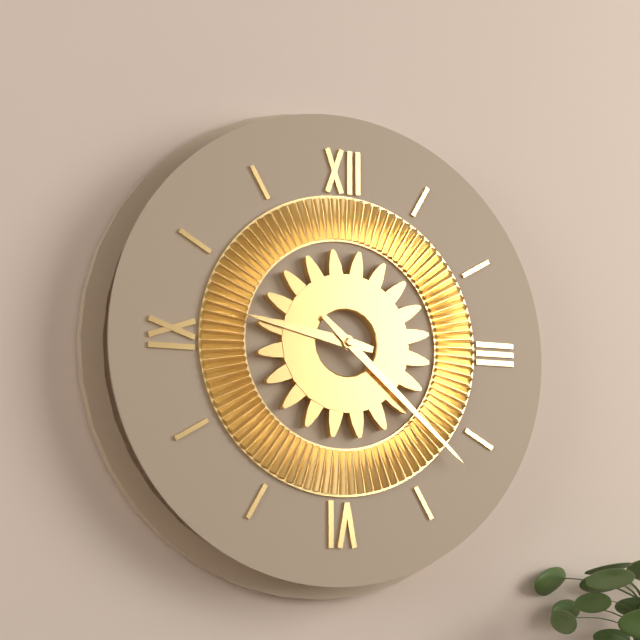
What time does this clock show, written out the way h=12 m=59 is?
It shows h=9 m=22
